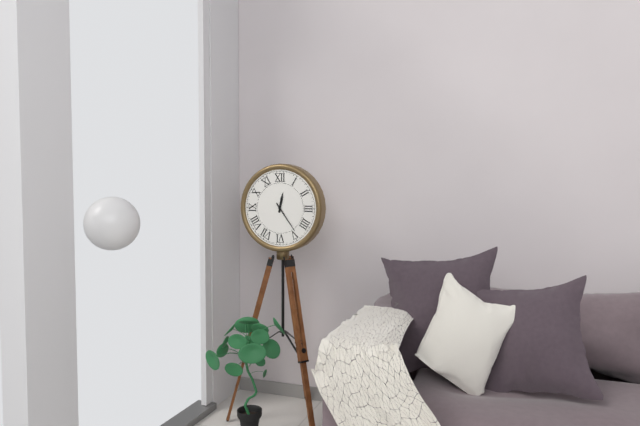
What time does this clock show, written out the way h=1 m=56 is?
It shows h=12 m=24
